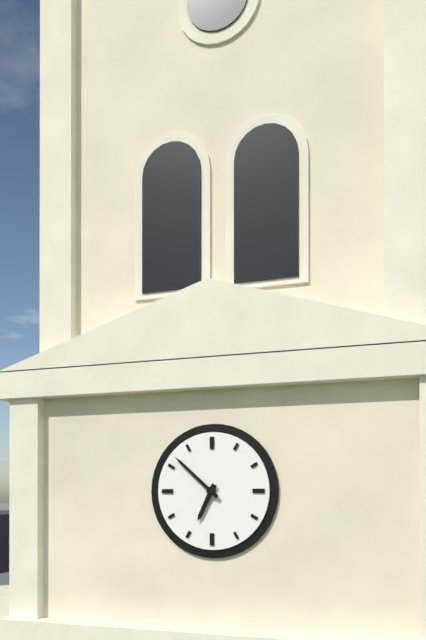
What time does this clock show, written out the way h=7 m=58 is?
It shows h=6 m=52
